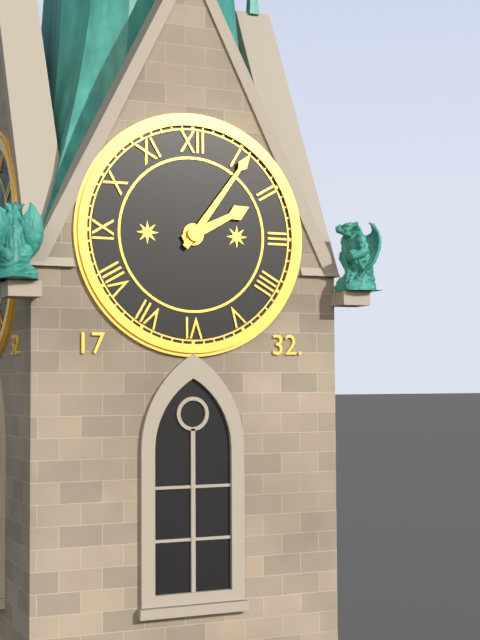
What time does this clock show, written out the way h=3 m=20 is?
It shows h=2 m=6
